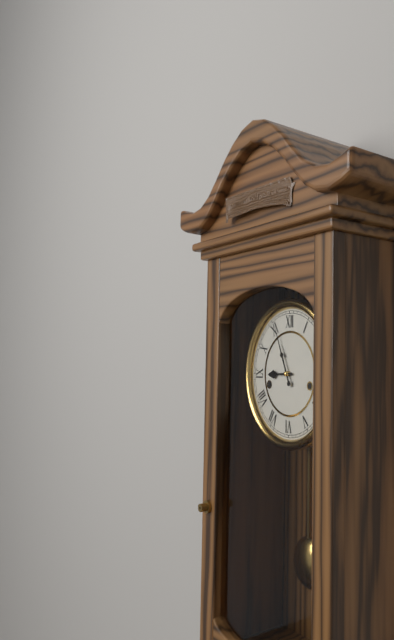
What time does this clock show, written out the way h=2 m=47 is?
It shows h=8 m=56
